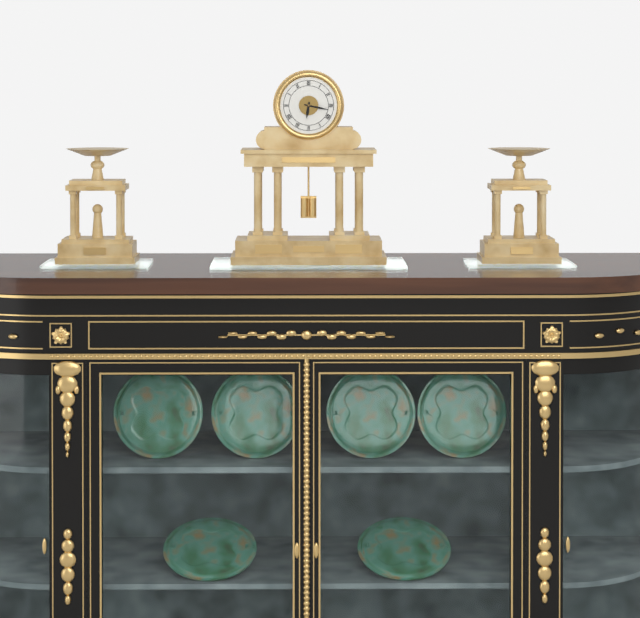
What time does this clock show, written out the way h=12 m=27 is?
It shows h=6 m=17
